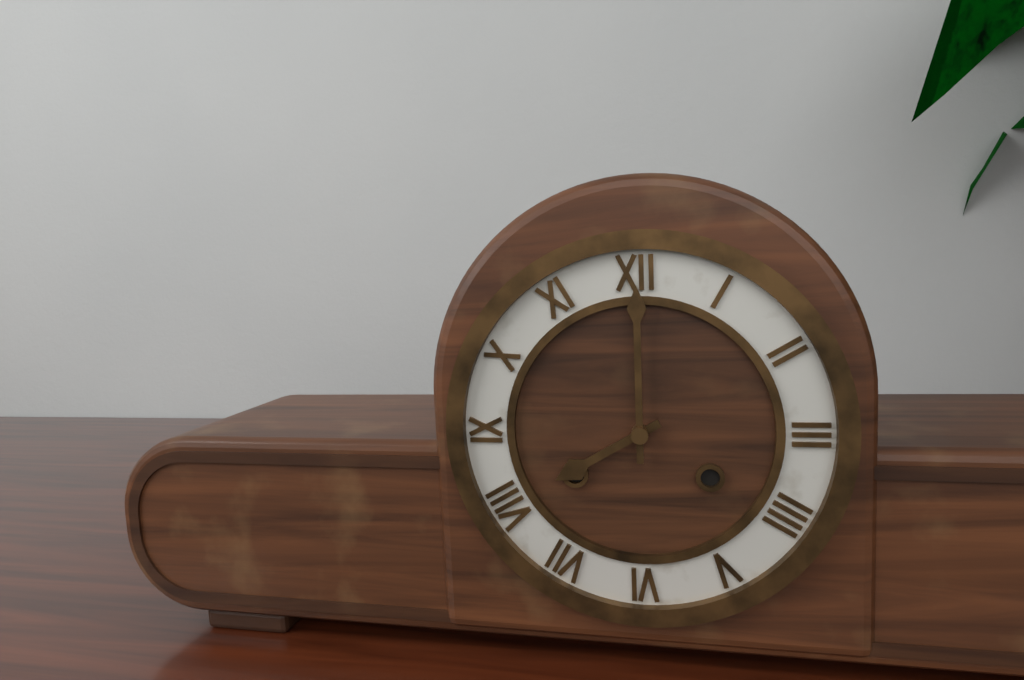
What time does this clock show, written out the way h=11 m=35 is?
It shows h=8 m=0
